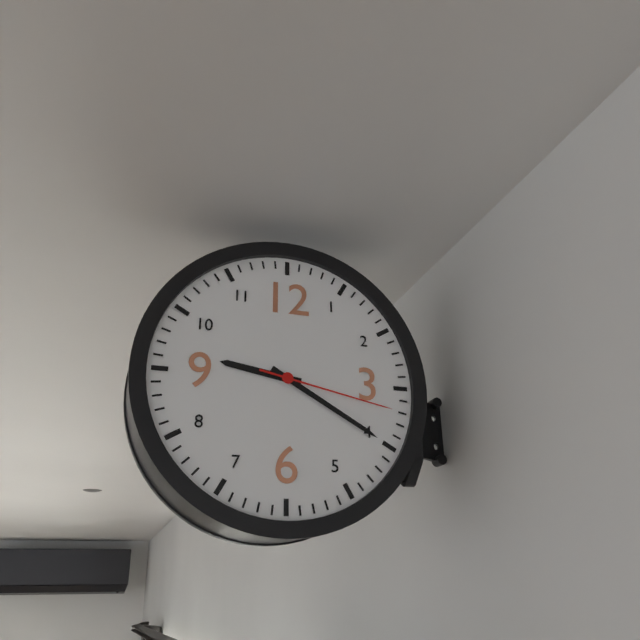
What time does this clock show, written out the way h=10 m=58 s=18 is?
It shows h=9 m=20 s=17
